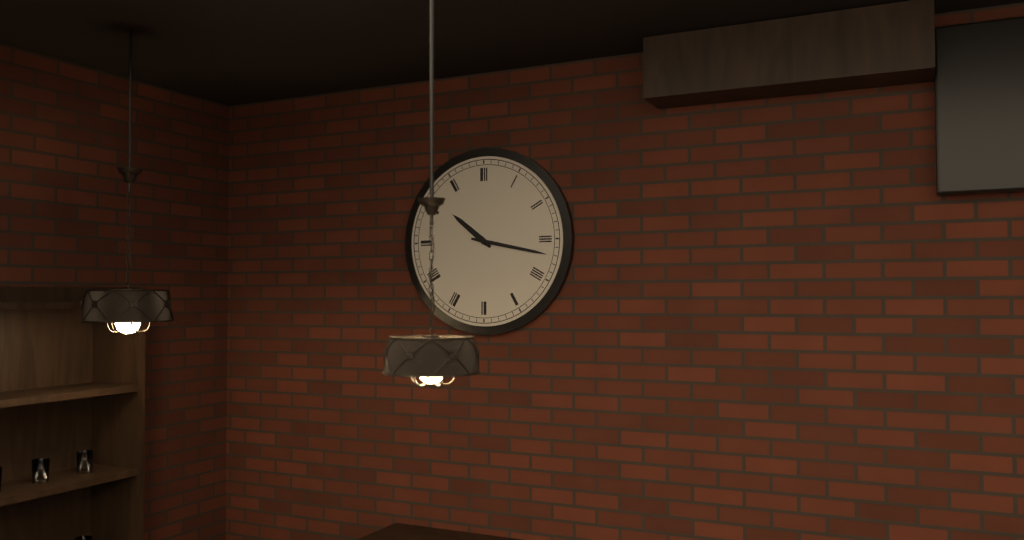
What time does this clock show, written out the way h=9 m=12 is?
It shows h=10 m=17
